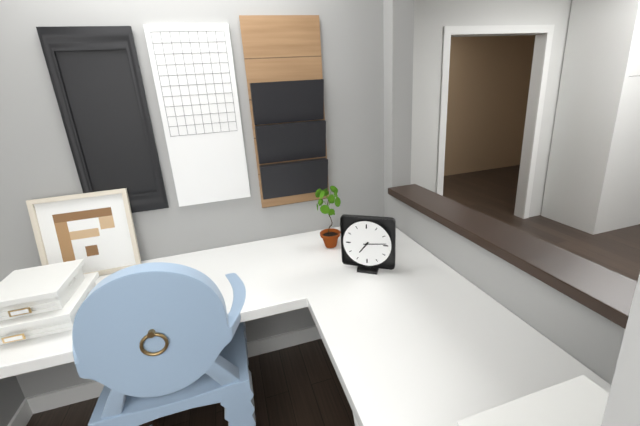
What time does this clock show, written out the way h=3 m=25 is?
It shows h=7 m=14
